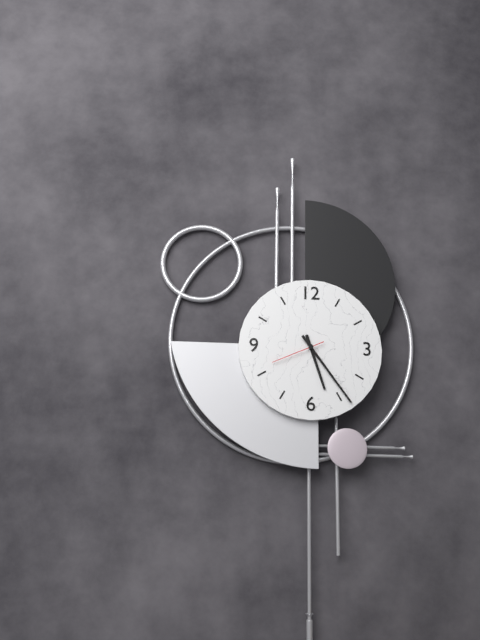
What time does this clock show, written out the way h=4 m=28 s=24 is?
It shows h=5 m=24 s=41
